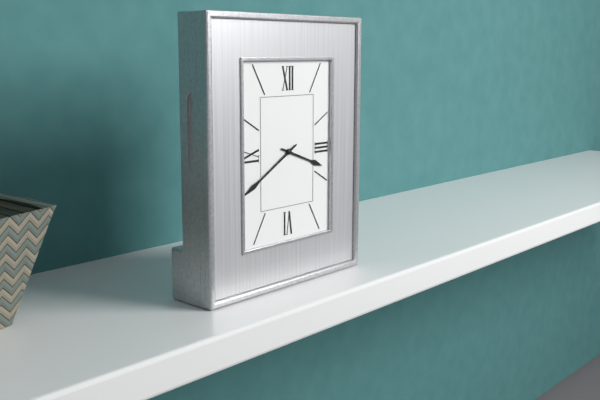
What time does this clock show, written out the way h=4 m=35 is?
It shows h=3 m=40
